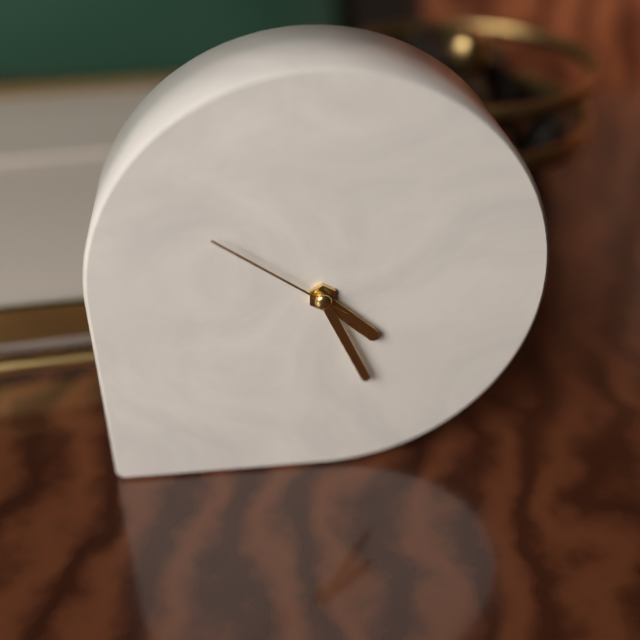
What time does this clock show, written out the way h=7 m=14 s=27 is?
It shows h=4 m=26 s=51
